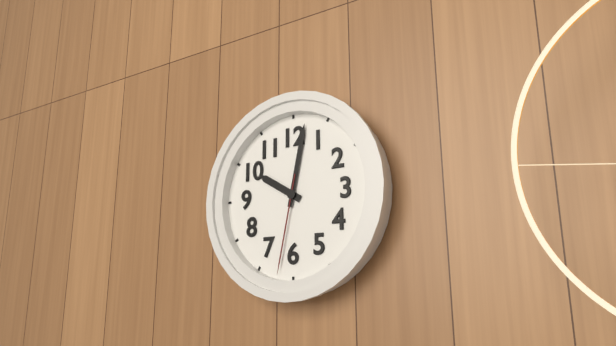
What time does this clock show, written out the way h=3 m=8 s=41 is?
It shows h=10 m=2 s=32
